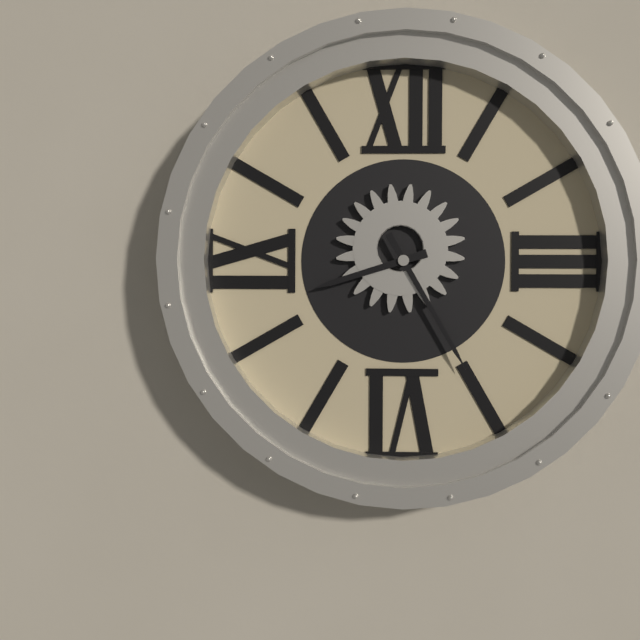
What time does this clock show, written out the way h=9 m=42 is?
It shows h=8 m=25
